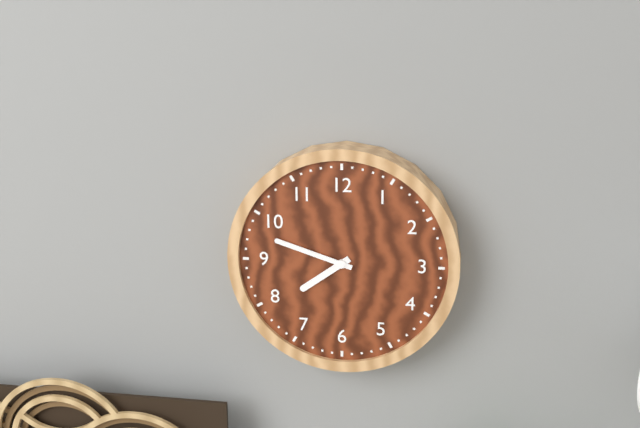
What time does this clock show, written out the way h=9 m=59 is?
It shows h=7 m=48
